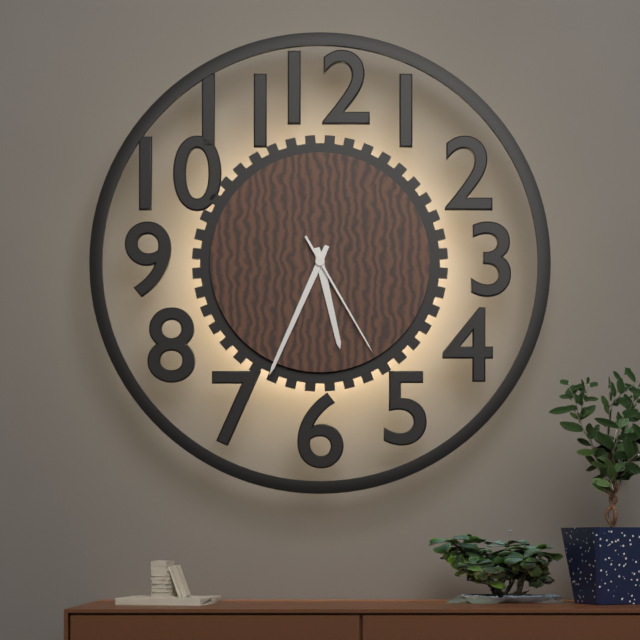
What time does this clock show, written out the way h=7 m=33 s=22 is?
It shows h=5 m=34 s=25
